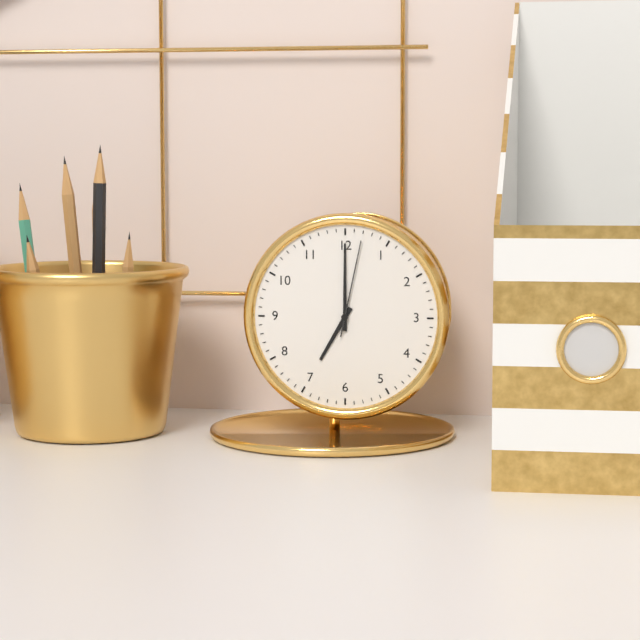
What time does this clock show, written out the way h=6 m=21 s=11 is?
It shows h=7 m=0 s=2
